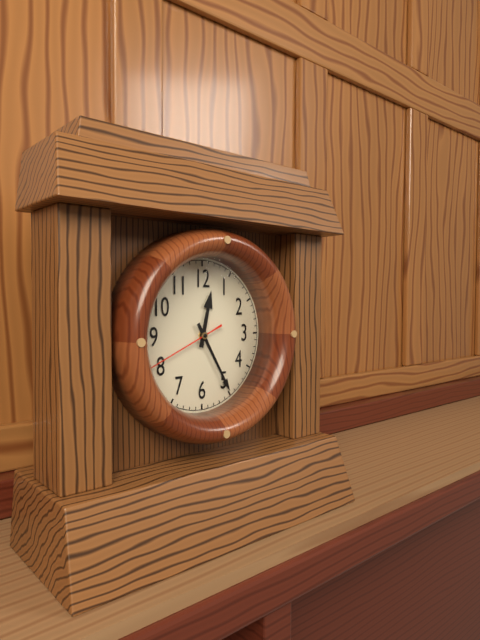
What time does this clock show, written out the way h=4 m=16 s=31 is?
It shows h=12 m=25 s=41
